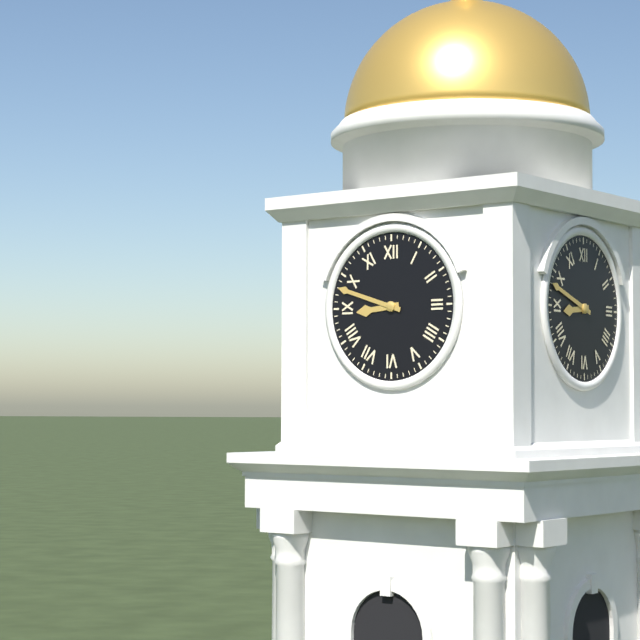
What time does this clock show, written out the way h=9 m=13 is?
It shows h=8 m=48
